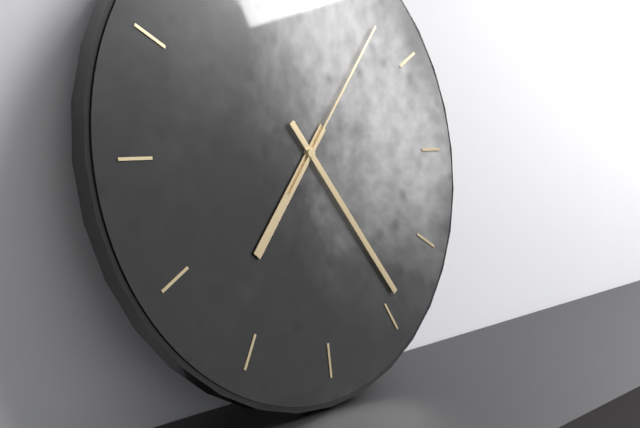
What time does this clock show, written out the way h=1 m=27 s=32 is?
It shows h=7 m=24 s=7
